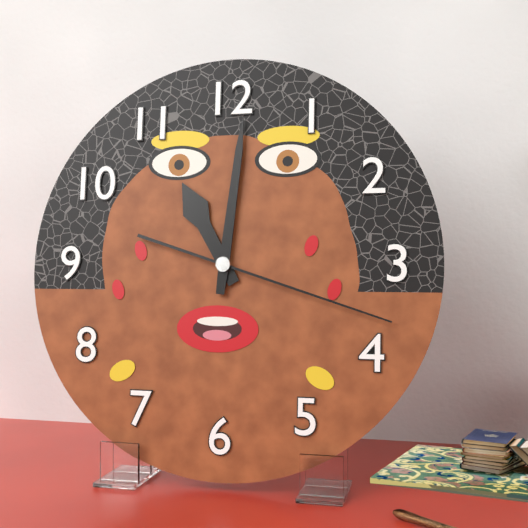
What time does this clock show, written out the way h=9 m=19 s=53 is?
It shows h=11 m=1 s=18
